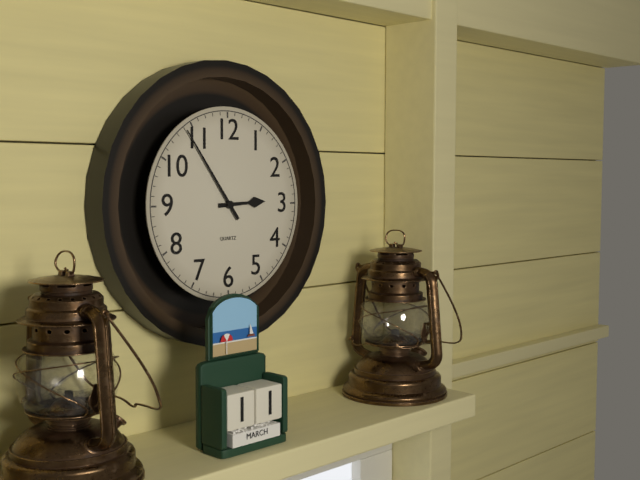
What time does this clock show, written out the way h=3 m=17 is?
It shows h=2 m=54
